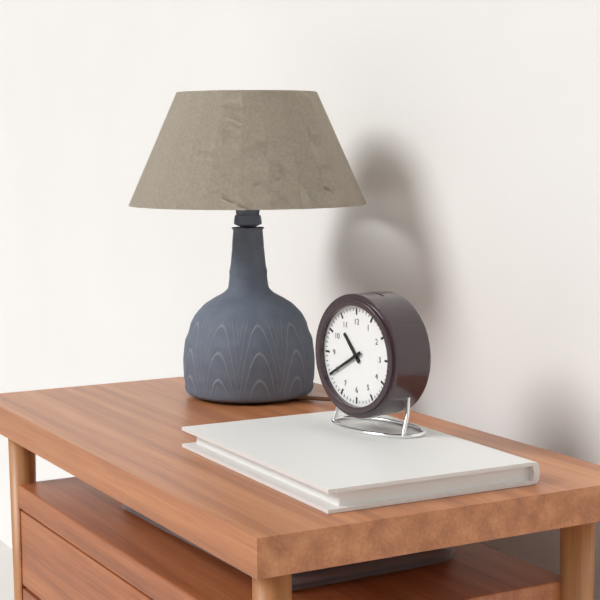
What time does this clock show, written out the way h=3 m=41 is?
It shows h=10 m=40
